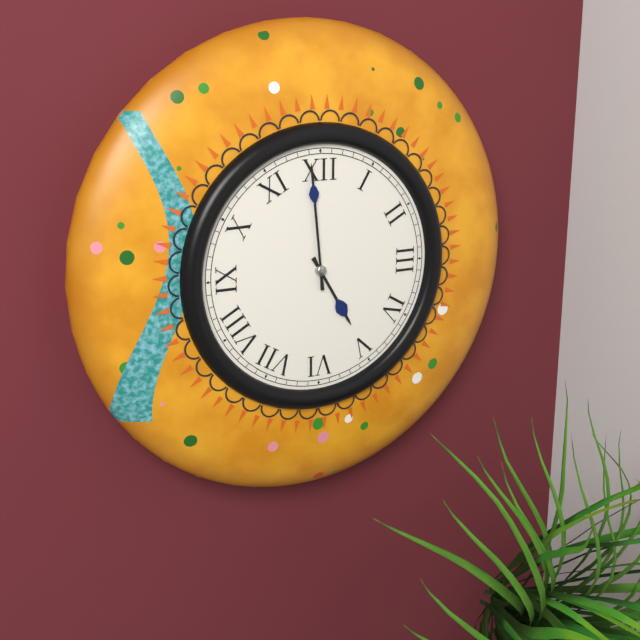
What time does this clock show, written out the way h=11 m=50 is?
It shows h=4 m=59
